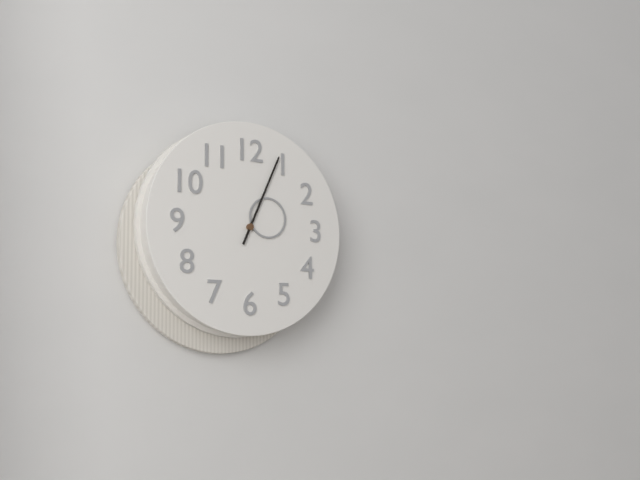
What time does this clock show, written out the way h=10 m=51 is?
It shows h=2 m=4
